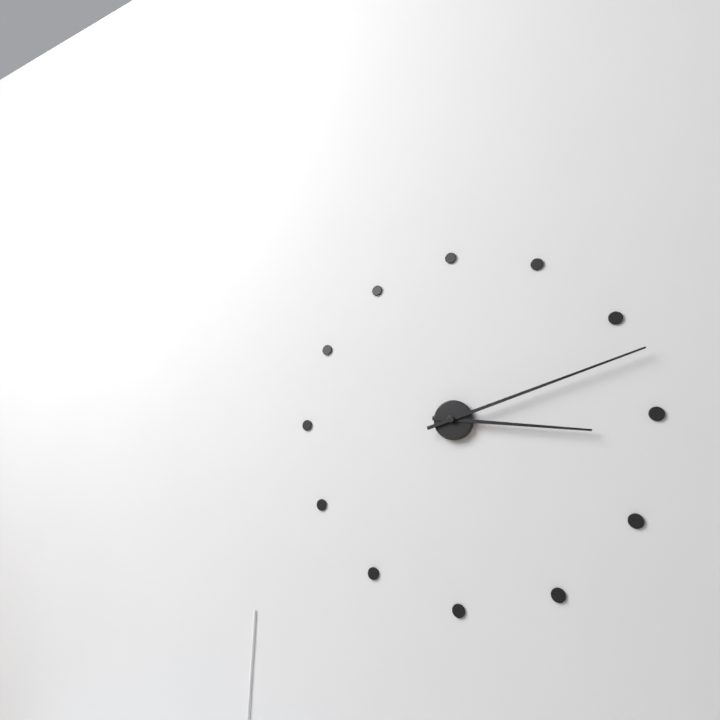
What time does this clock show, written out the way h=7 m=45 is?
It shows h=3 m=12
